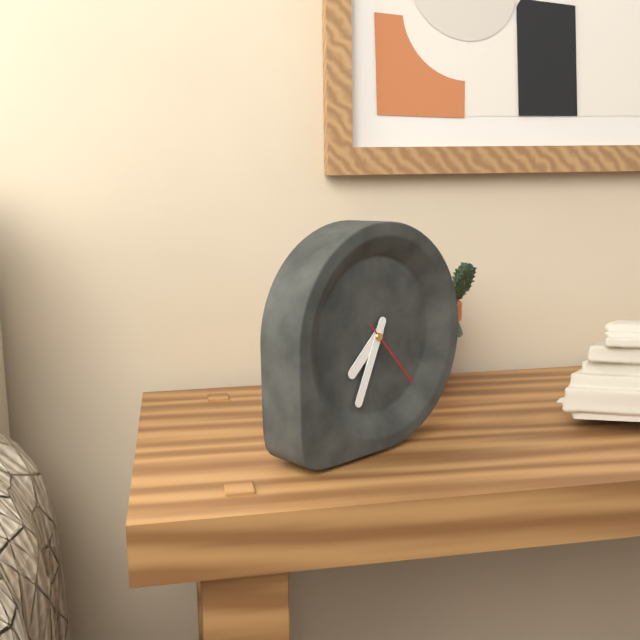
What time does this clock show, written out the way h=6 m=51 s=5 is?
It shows h=7 m=34 s=23
